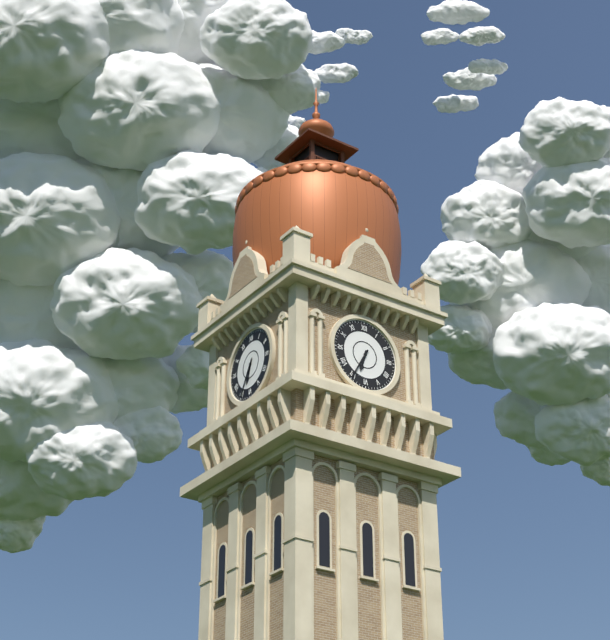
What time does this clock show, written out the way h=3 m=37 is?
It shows h=6 m=35
